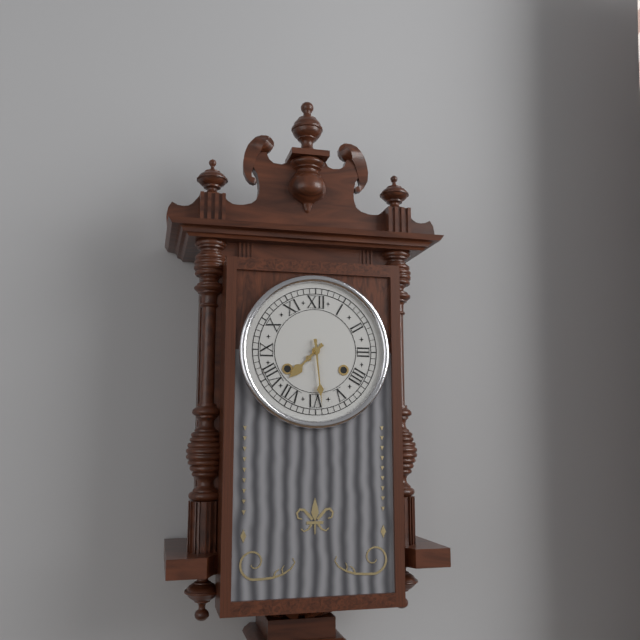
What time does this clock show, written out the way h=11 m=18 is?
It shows h=7 m=29
